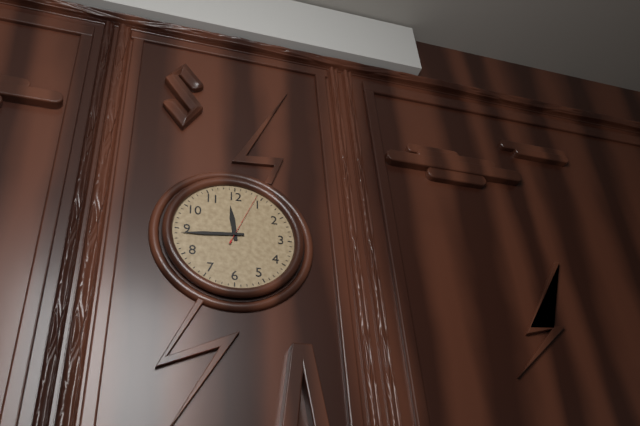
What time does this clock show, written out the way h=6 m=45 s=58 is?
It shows h=11 m=44 s=4
